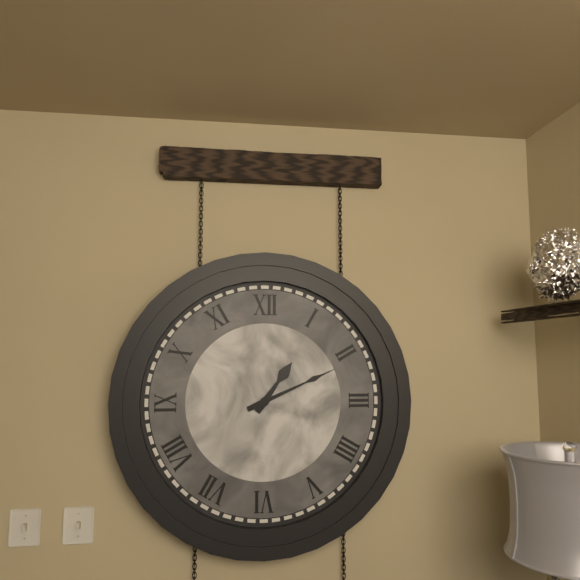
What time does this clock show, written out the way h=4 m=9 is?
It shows h=1 m=11
